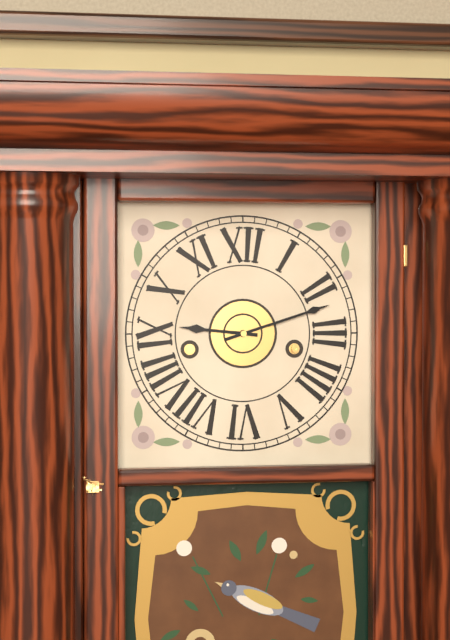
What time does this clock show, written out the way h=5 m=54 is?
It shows h=9 m=12
